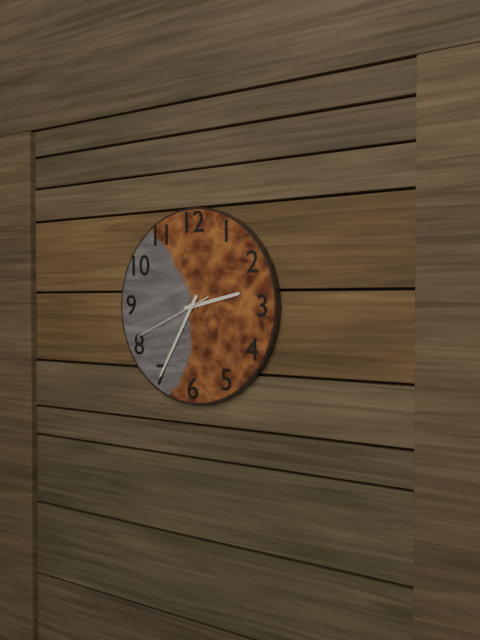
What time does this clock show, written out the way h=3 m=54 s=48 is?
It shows h=2 m=35 s=41
